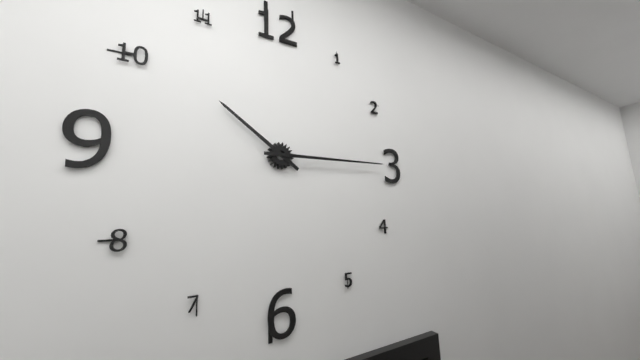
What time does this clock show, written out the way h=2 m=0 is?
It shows h=10 m=15
